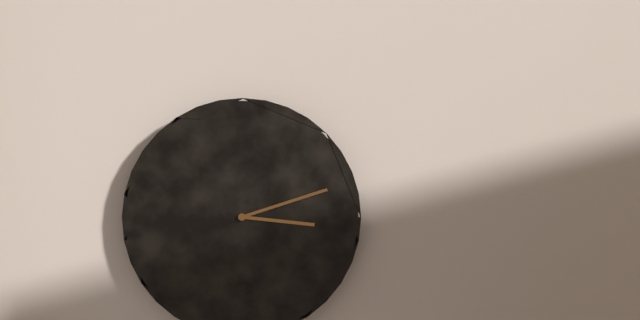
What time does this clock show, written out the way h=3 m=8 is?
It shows h=3 m=12
